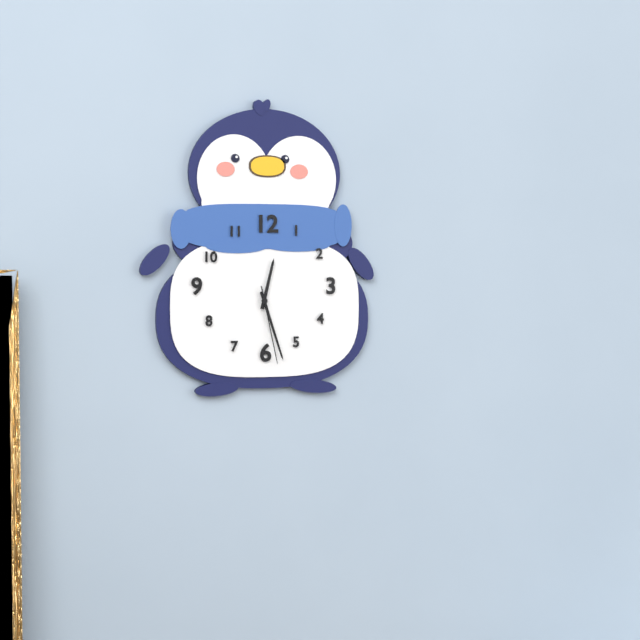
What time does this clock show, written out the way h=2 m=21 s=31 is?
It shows h=12 m=27 s=28
